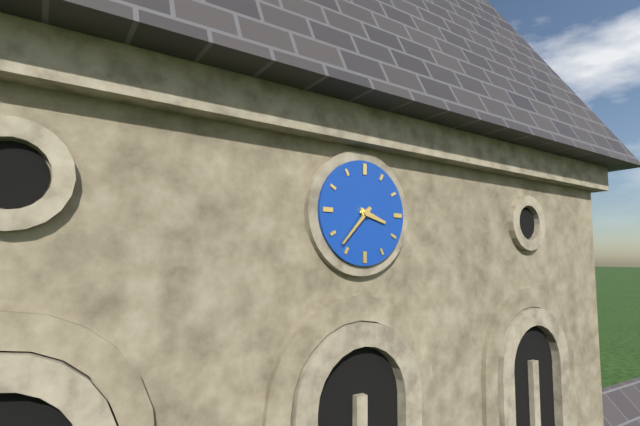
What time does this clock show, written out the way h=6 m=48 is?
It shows h=3 m=37
